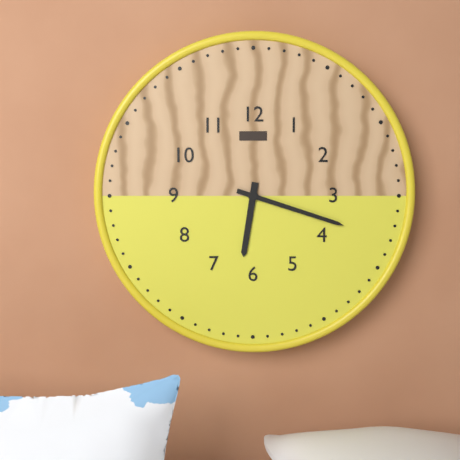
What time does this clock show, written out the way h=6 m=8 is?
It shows h=6 m=18
